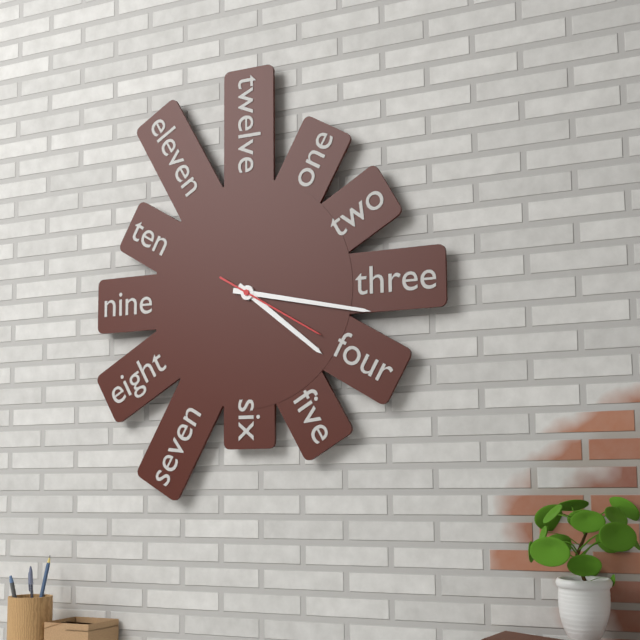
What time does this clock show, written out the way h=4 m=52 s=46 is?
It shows h=4 m=17 s=20
